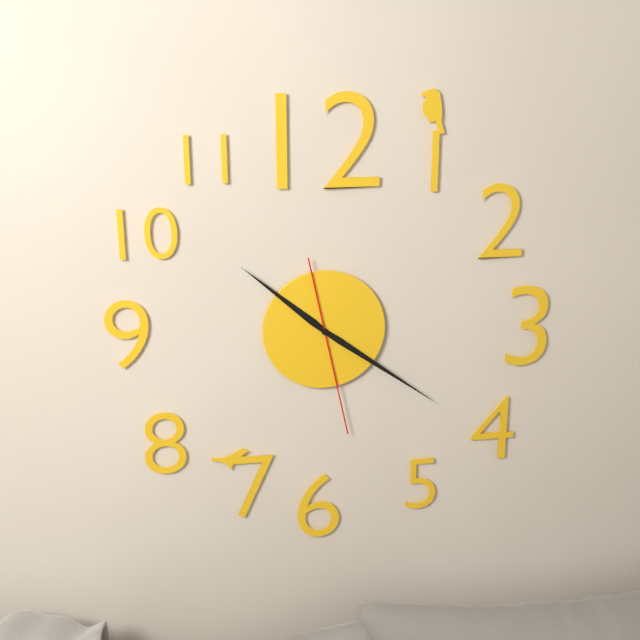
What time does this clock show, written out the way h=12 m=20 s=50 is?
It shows h=10 m=21 s=28
